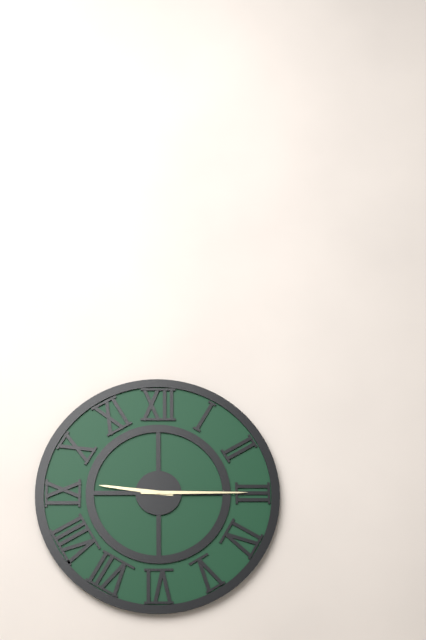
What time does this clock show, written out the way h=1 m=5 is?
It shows h=9 m=15
